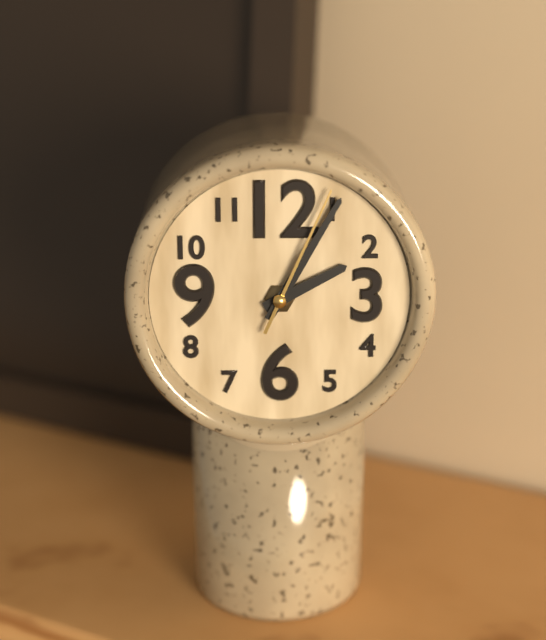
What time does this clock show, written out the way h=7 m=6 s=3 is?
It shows h=2 m=5 s=4
